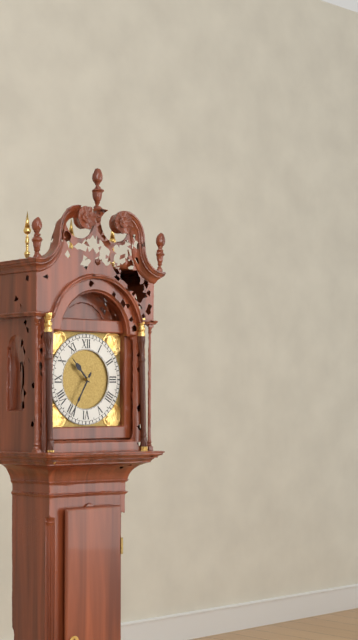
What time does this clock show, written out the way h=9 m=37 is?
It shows h=10 m=35
